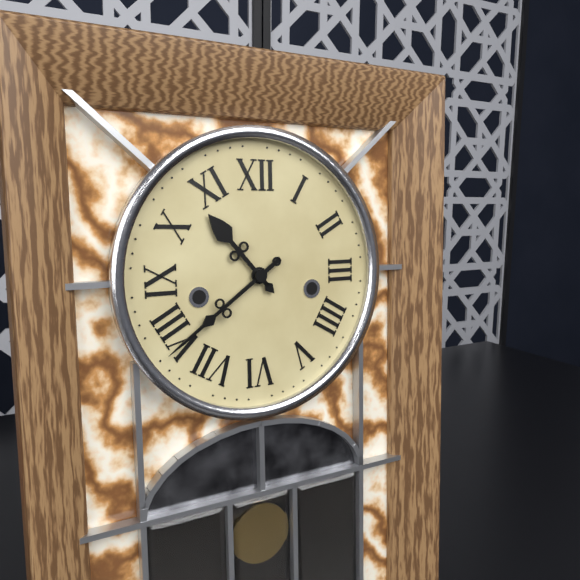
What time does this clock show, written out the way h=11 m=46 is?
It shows h=10 m=39
